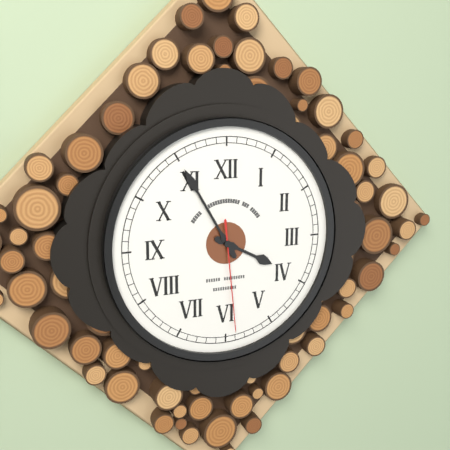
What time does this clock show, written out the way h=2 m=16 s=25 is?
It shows h=3 m=55 s=29
